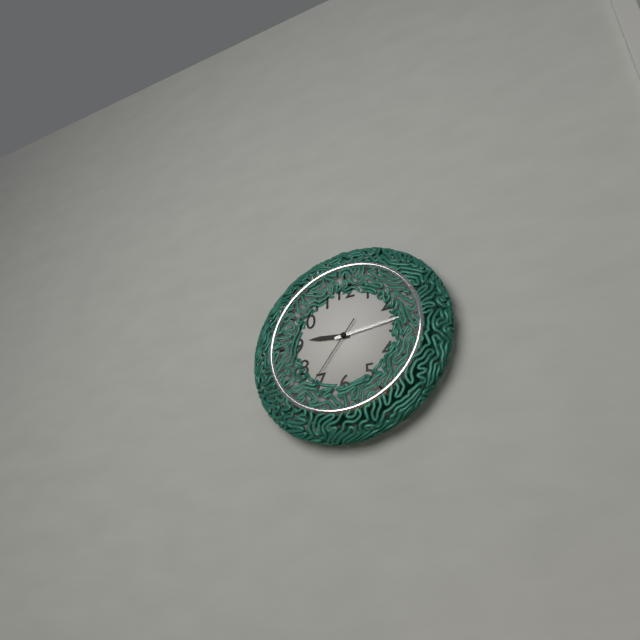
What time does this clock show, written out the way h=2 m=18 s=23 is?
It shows h=9 m=14 s=36
